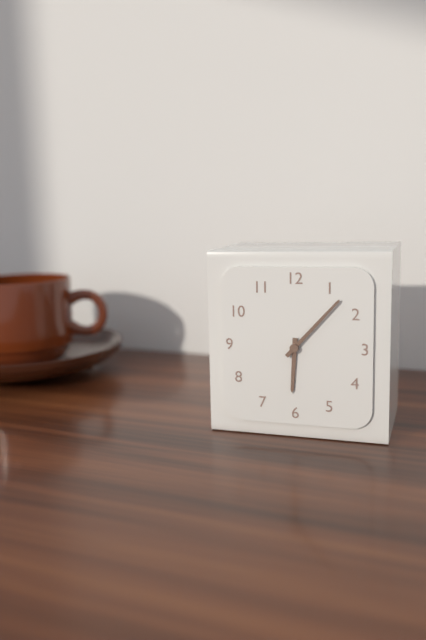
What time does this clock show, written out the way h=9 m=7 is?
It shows h=6 m=7
